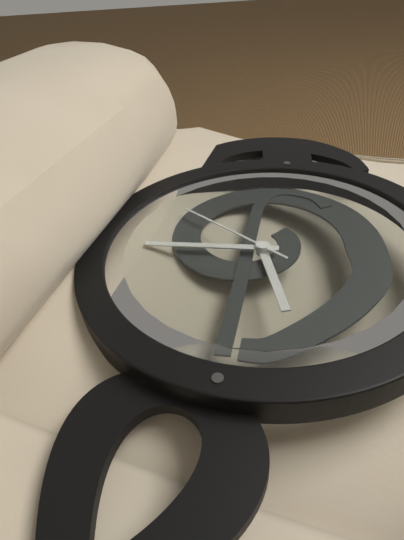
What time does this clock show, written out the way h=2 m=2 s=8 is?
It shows h=11 m=14 s=20
